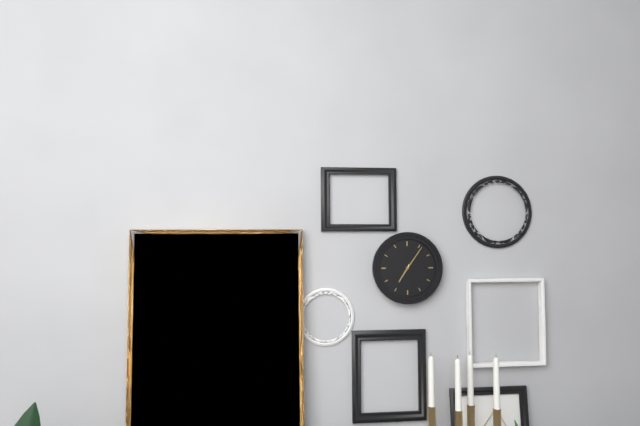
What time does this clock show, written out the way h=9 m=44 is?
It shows h=7 m=6
